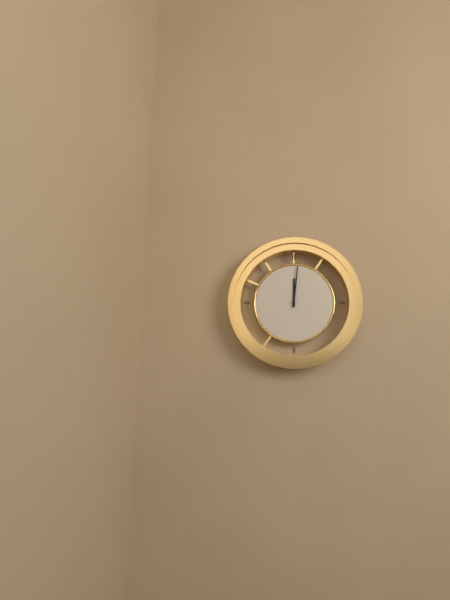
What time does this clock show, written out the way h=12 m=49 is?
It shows h=12 m=1
